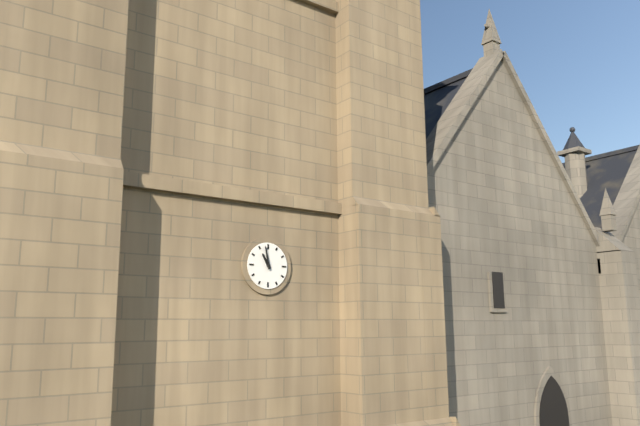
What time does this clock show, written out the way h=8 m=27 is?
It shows h=10 m=58
